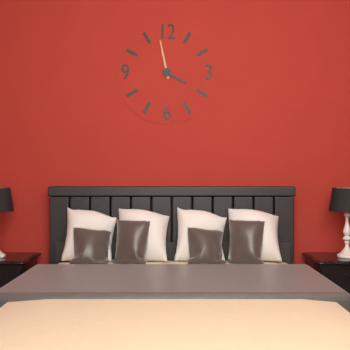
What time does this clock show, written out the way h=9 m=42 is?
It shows h=3 m=58
